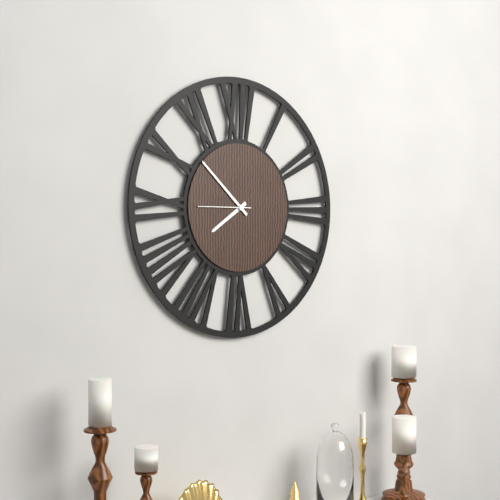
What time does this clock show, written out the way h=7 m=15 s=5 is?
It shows h=7 m=52 s=45
